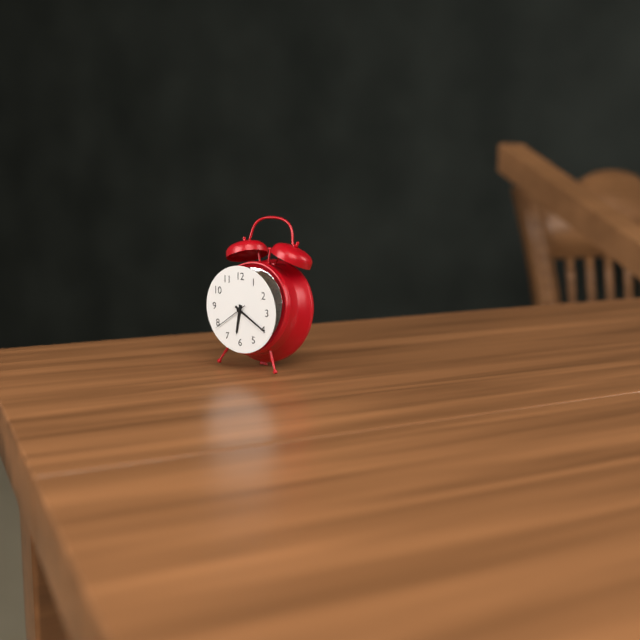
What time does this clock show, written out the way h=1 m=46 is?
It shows h=6 m=20
